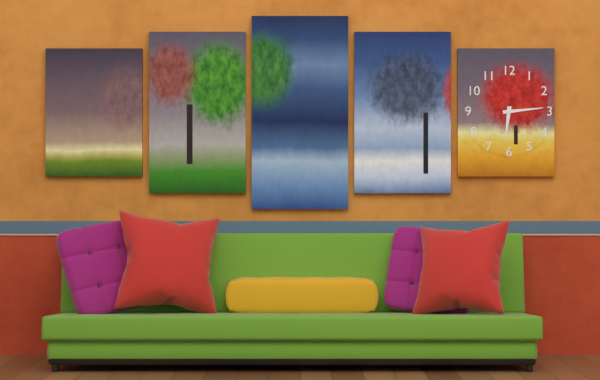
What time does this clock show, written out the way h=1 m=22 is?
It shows h=6 m=14
